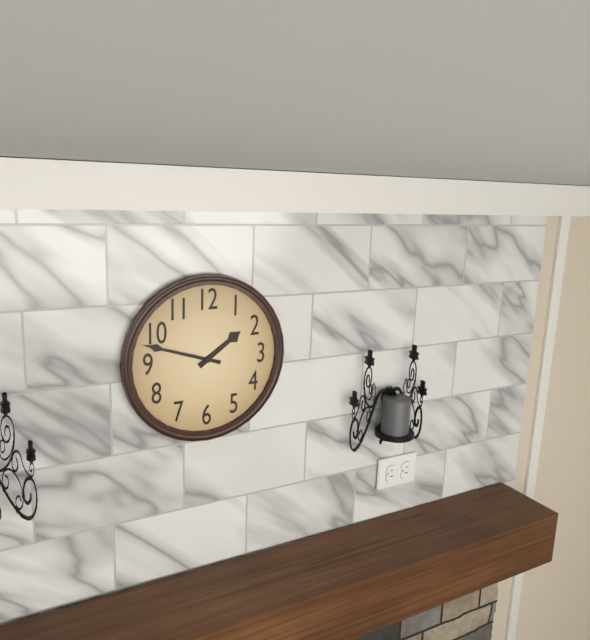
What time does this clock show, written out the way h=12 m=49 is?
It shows h=1 m=48
